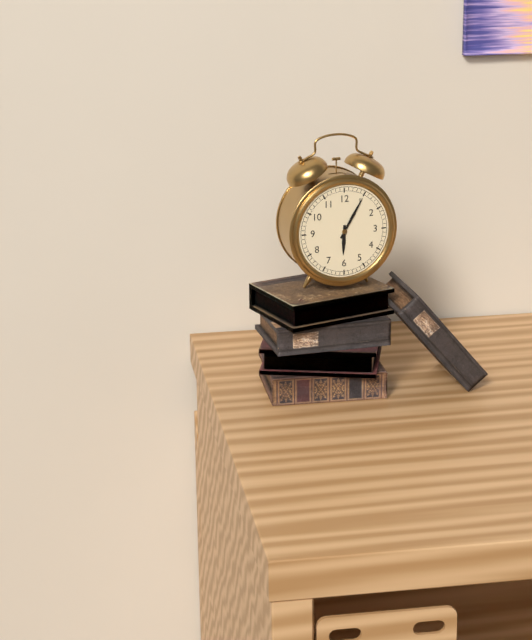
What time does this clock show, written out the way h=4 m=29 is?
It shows h=6 m=5
